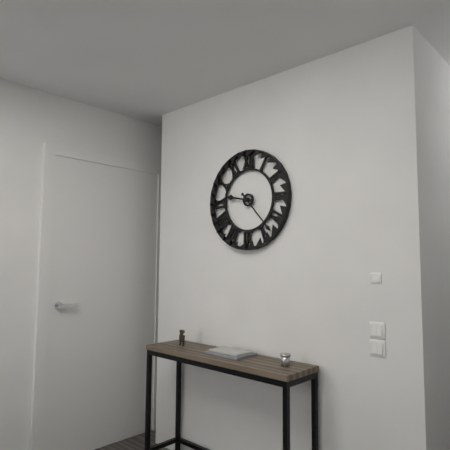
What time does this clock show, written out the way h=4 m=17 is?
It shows h=9 m=23
